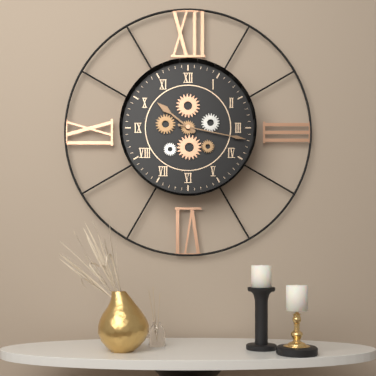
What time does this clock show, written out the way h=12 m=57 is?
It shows h=10 m=17
